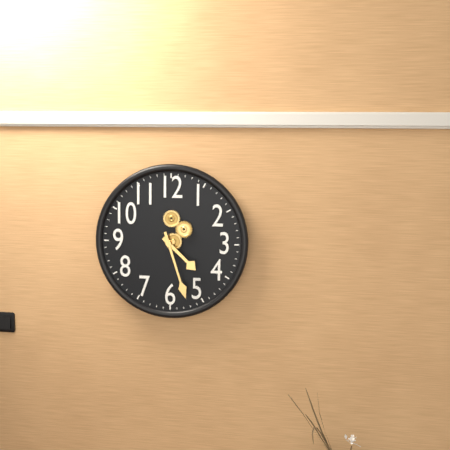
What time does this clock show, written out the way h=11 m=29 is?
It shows h=4 m=27
